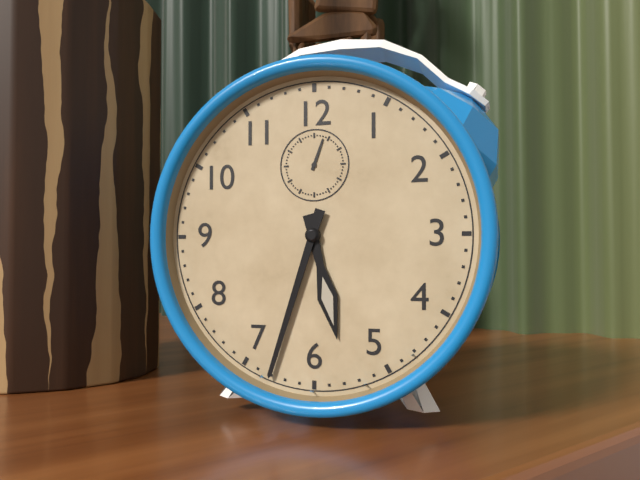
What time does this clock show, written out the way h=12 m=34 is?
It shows h=5 m=33
